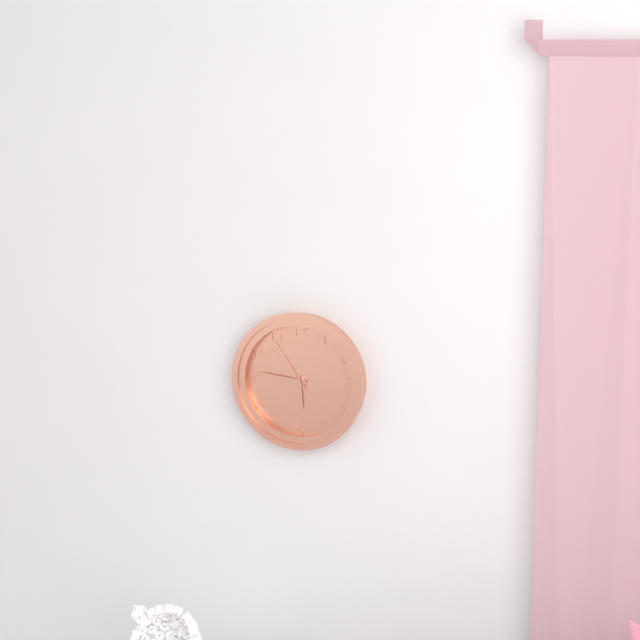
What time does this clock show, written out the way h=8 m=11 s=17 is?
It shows h=5 m=46 s=54
